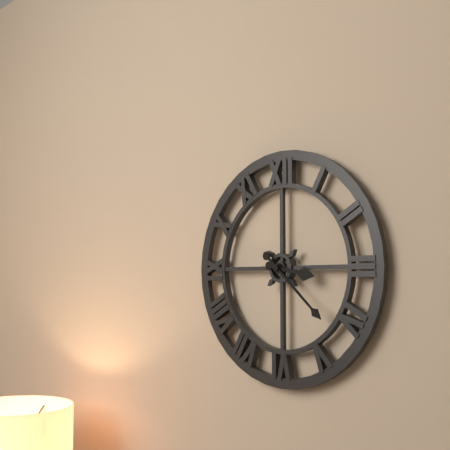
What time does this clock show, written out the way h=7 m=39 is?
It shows h=3 m=22
